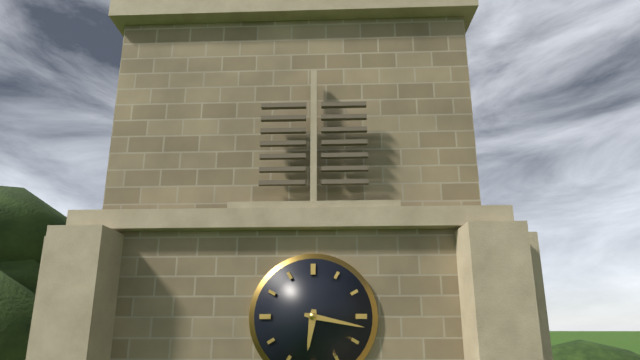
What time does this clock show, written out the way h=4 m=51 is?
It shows h=6 m=17
